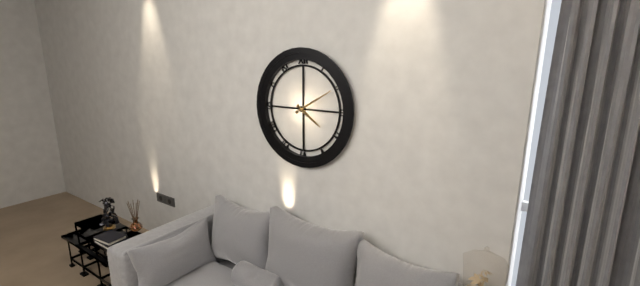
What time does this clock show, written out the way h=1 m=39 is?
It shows h=4 m=10
